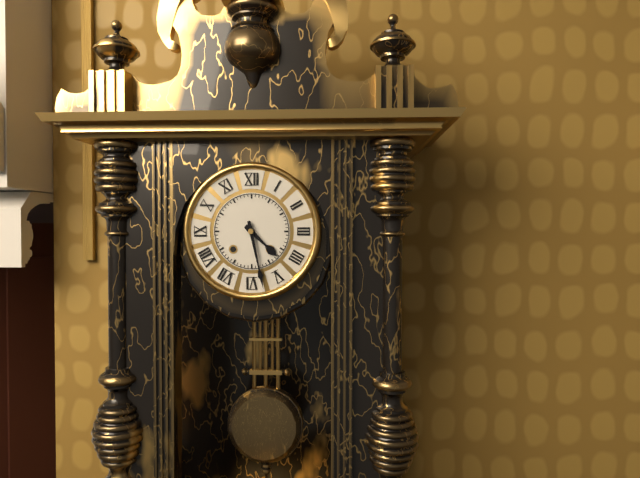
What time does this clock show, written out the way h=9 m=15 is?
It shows h=4 m=28
